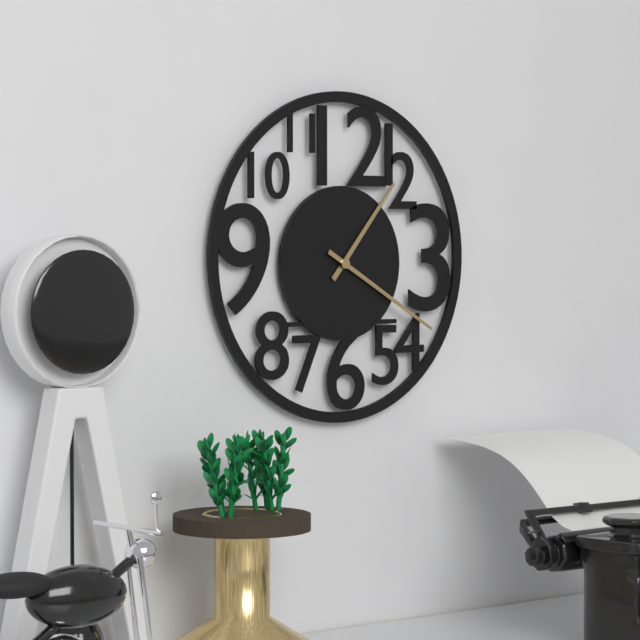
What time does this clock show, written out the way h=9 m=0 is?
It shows h=1 m=20
